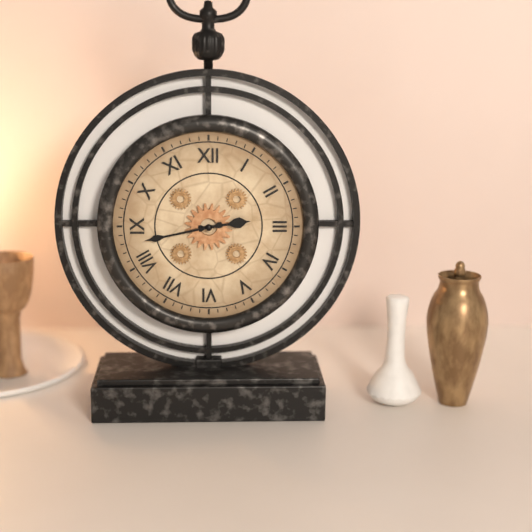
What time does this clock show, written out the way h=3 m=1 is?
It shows h=2 m=43
